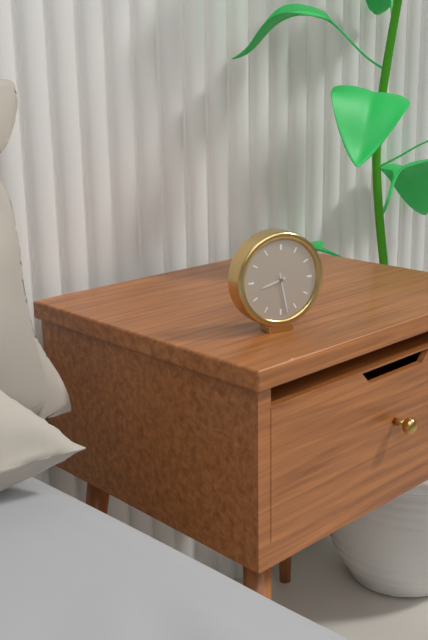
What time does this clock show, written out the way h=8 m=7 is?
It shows h=8 m=28
